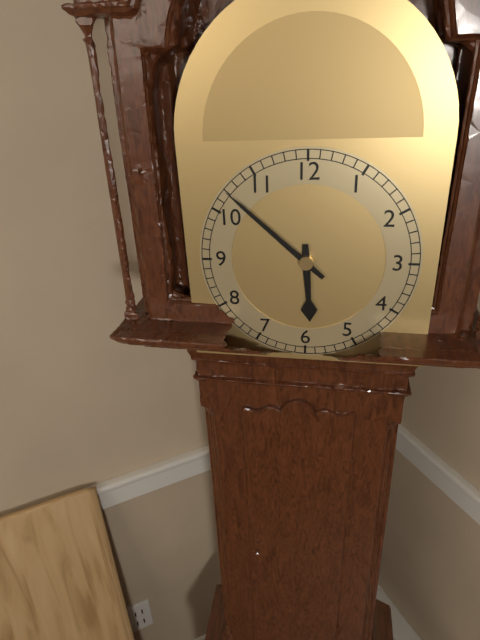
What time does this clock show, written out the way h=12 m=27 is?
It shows h=5 m=52
